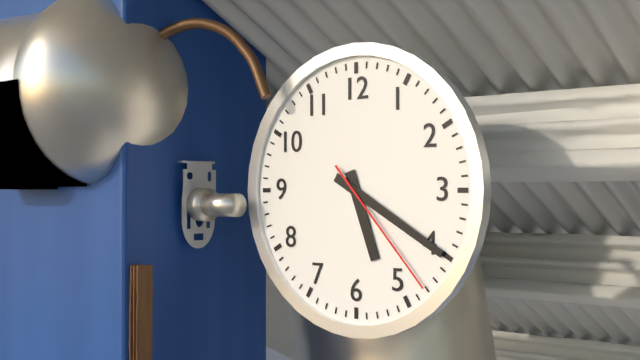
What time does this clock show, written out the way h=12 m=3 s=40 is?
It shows h=5 m=20 s=23
